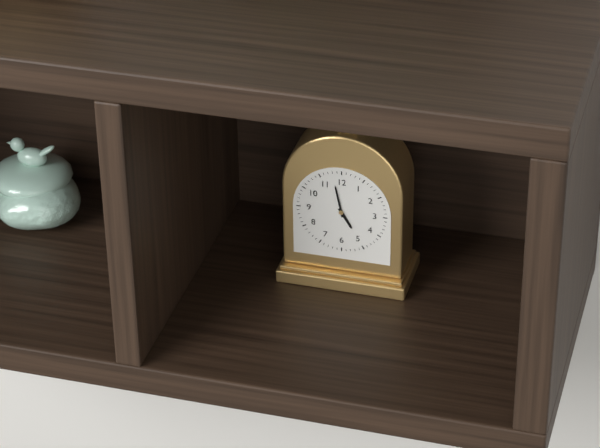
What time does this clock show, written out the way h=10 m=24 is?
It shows h=4 m=58
